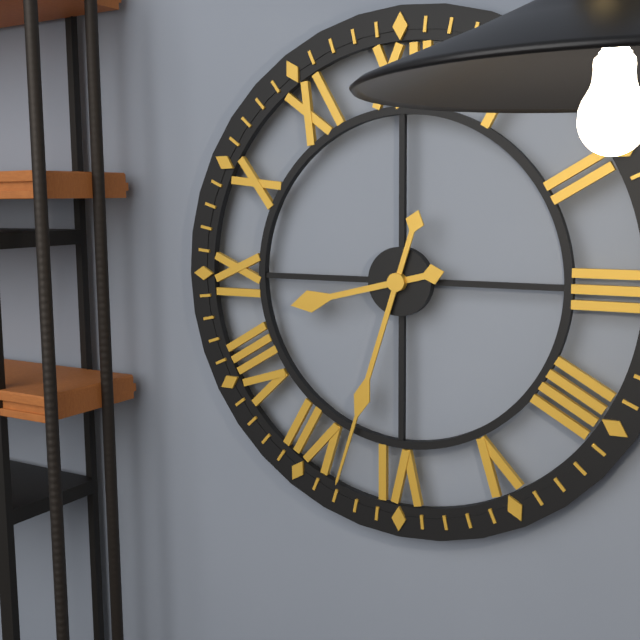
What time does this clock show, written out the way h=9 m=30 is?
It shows h=8 m=33
